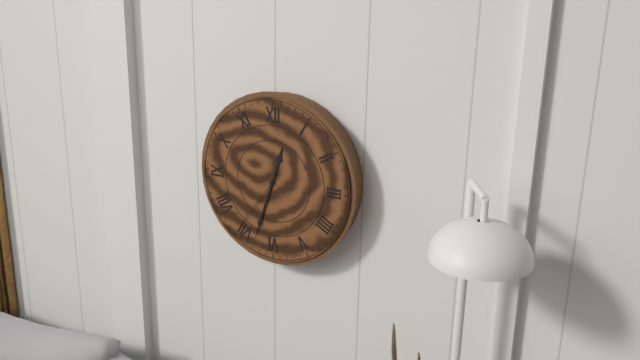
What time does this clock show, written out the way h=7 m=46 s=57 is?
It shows h=12 m=33 s=36
